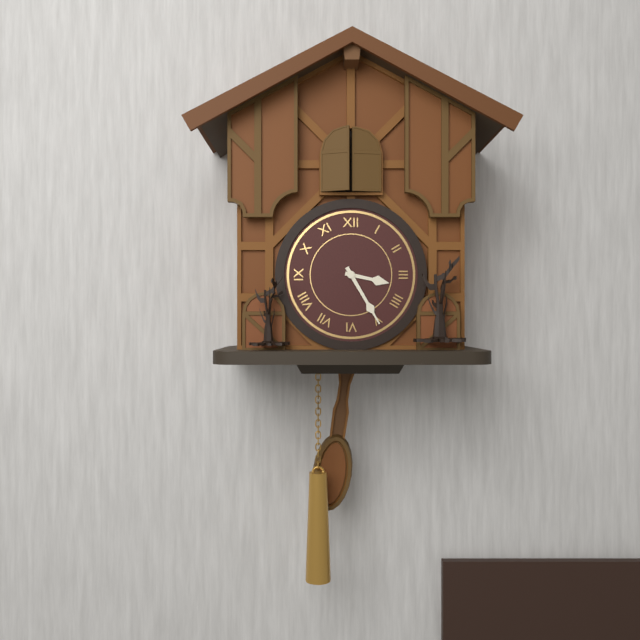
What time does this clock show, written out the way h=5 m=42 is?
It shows h=3 m=25
